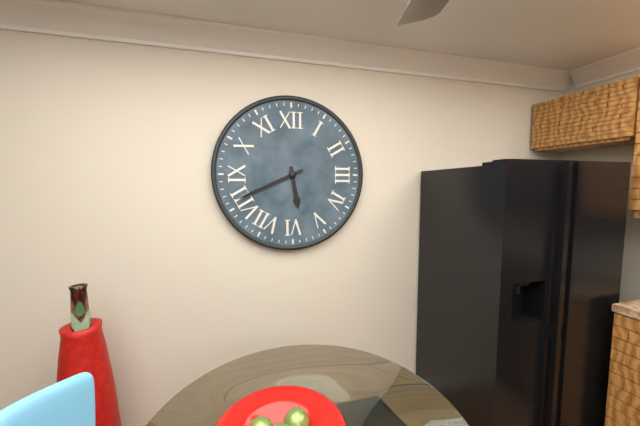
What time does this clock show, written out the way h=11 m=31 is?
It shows h=5 m=41
